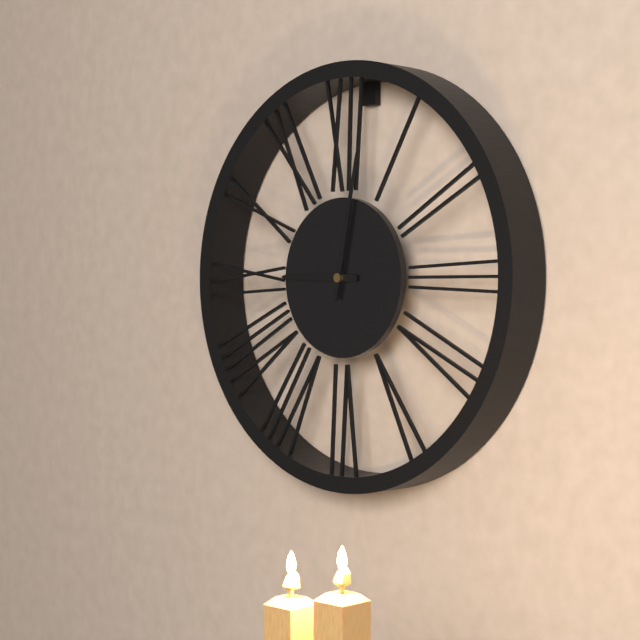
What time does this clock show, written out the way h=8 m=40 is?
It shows h=9 m=2
